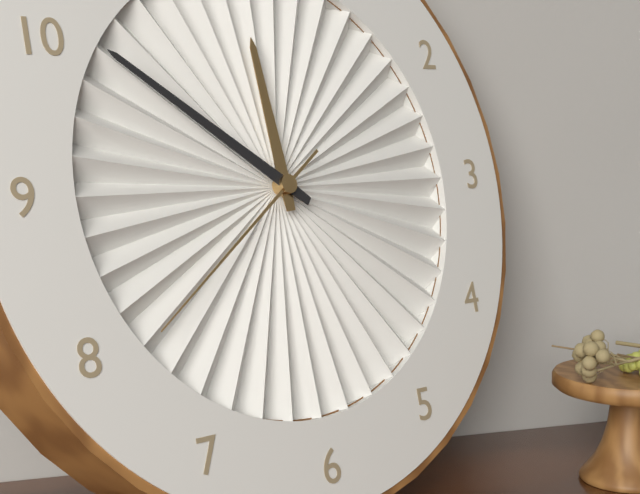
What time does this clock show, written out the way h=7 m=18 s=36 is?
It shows h=11 m=51 s=39
